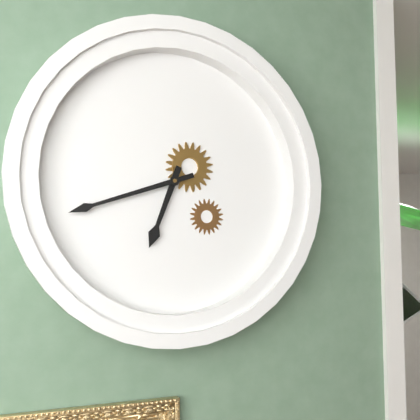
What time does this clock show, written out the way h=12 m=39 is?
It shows h=6 m=42
